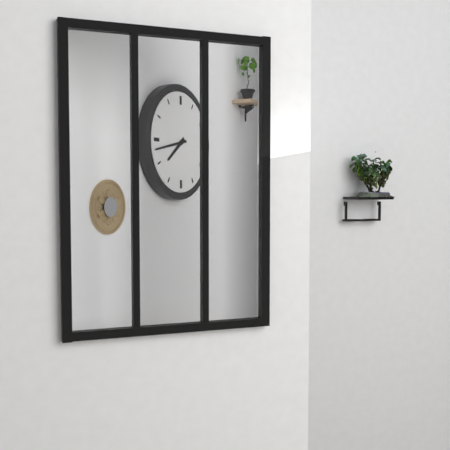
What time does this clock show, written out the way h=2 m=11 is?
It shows h=7 m=43
